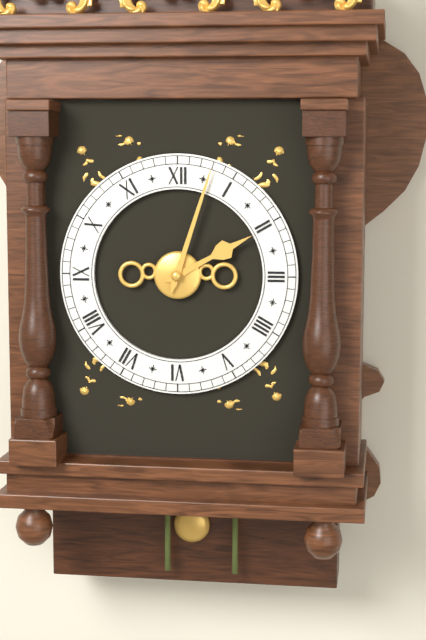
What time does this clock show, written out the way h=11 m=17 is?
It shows h=2 m=3
